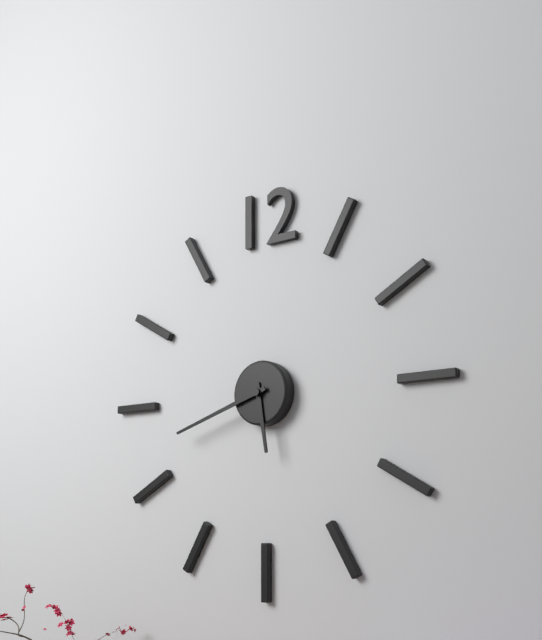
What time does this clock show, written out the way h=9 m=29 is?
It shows h=5 m=42
